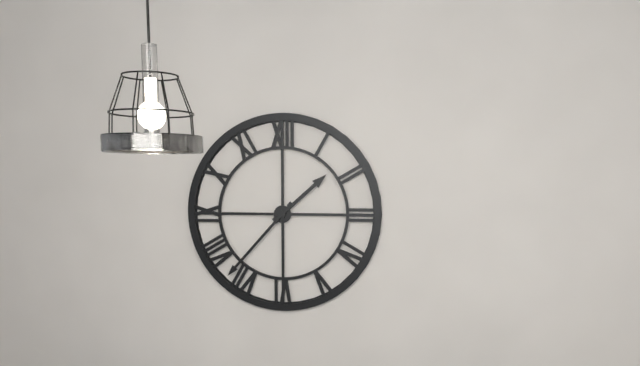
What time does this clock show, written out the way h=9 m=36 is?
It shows h=1 m=37
